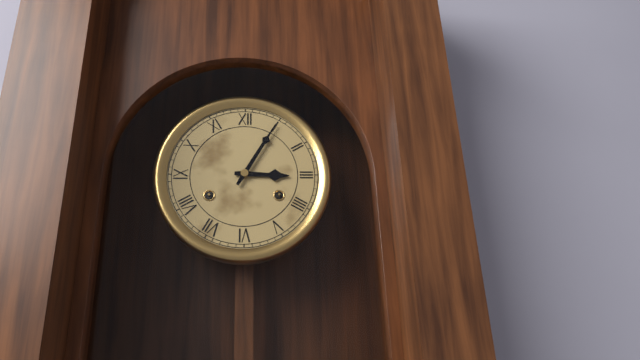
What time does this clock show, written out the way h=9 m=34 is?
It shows h=3 m=5
